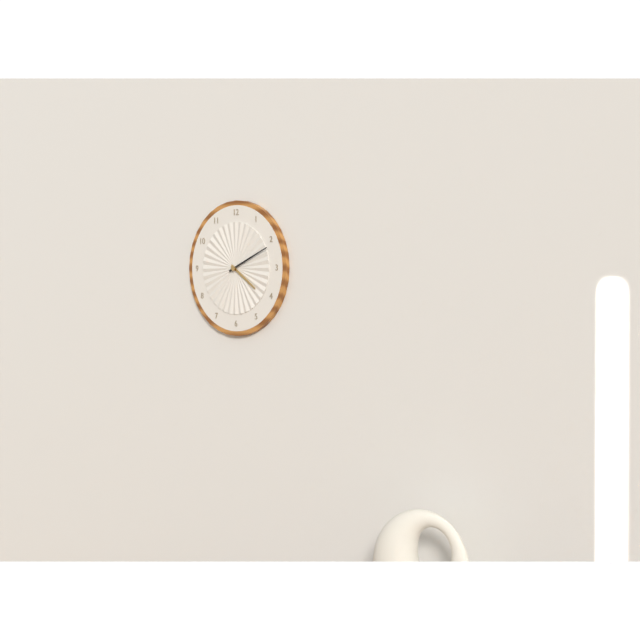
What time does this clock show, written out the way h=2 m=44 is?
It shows h=4 m=11
